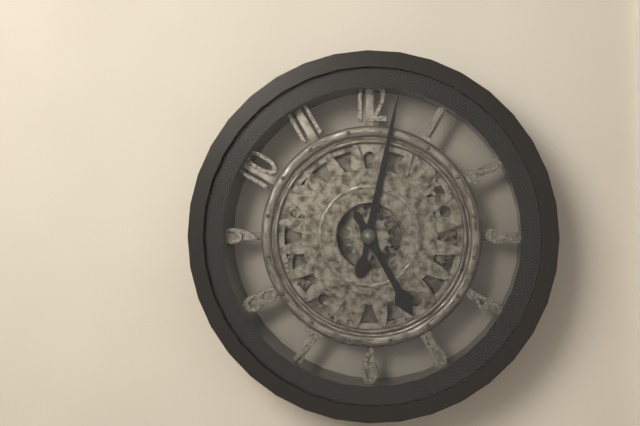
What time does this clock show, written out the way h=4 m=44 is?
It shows h=5 m=2
